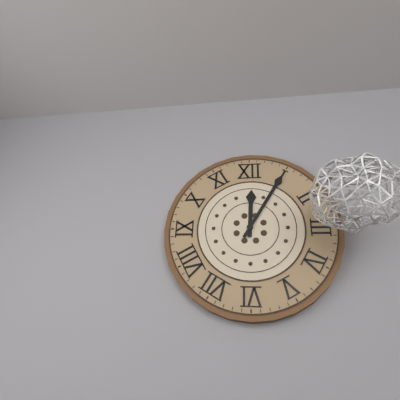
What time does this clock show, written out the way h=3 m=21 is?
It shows h=12 m=5
